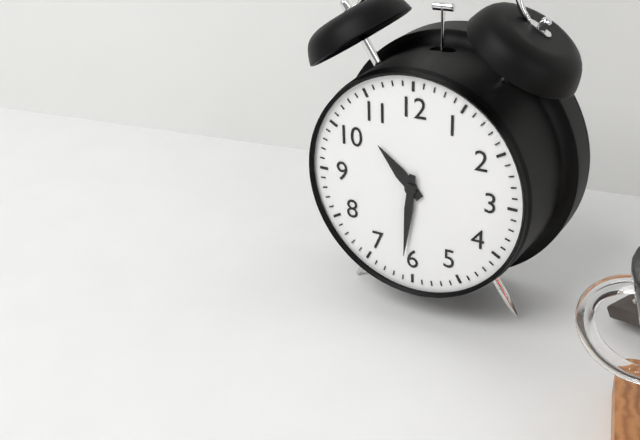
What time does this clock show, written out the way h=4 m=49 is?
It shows h=10 m=31
